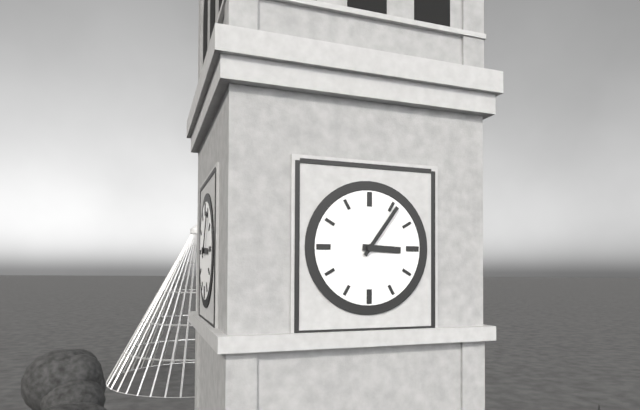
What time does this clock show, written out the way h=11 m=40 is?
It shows h=3 m=6
